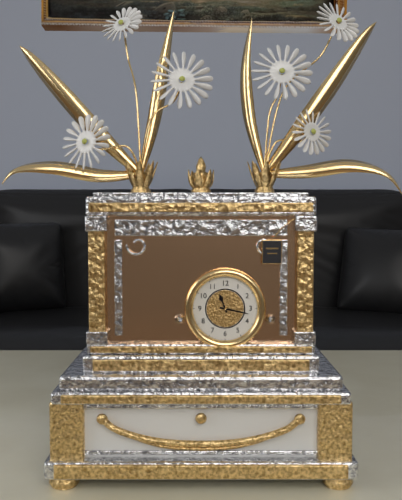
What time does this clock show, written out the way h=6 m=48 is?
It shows h=11 m=17
